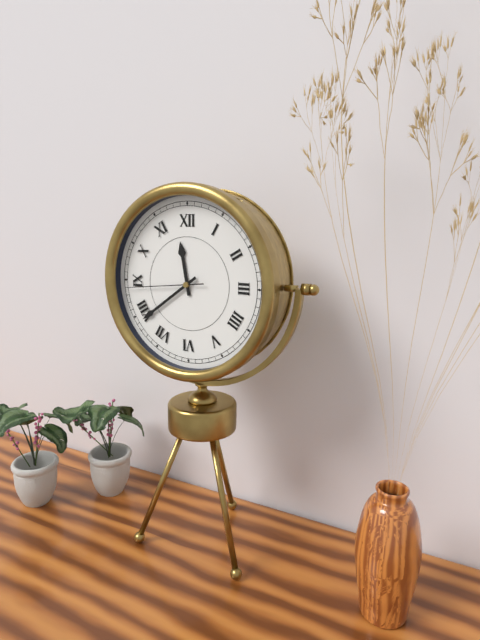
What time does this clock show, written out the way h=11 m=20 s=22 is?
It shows h=11 m=39 s=44
